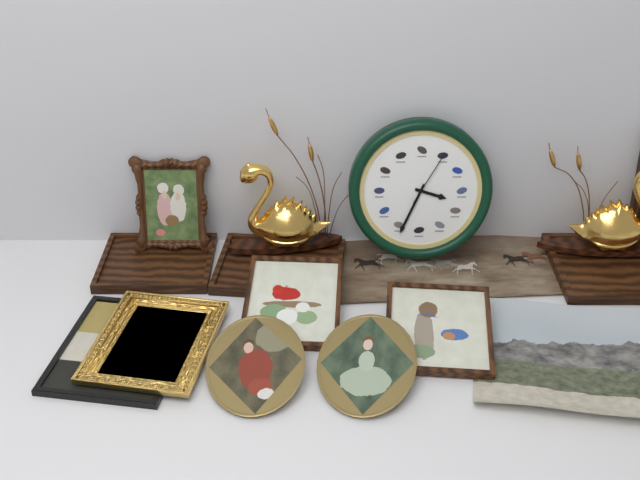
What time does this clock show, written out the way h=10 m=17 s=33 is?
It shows h=3 m=34 s=5
